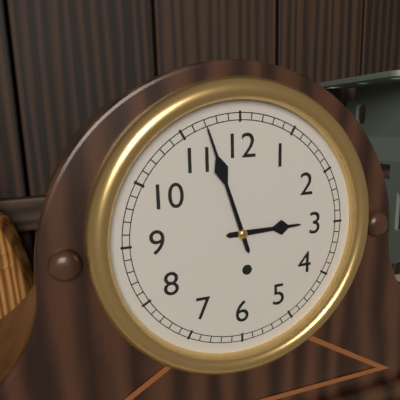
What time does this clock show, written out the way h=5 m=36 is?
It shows h=2 m=57
